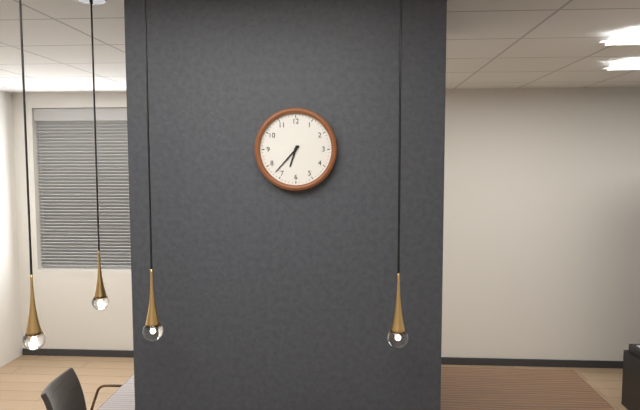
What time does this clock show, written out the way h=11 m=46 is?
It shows h=6 m=37
